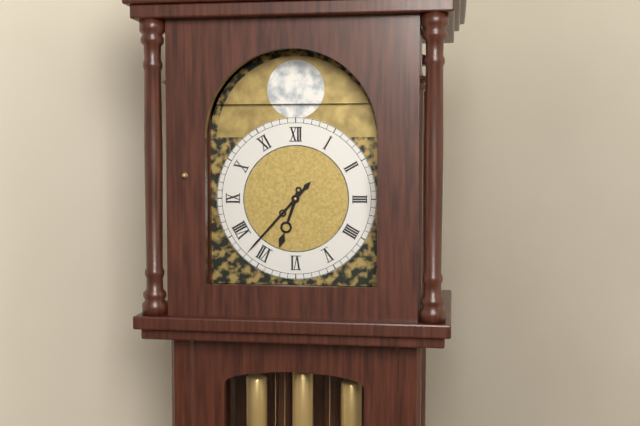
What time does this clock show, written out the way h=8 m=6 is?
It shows h=6 m=37
